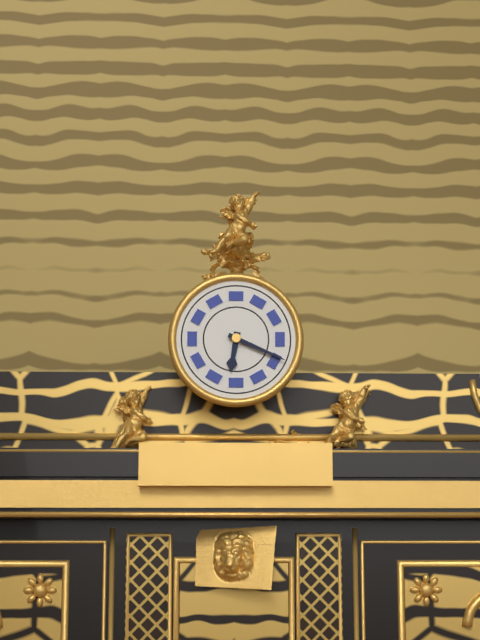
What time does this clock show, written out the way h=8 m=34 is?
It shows h=6 m=19
